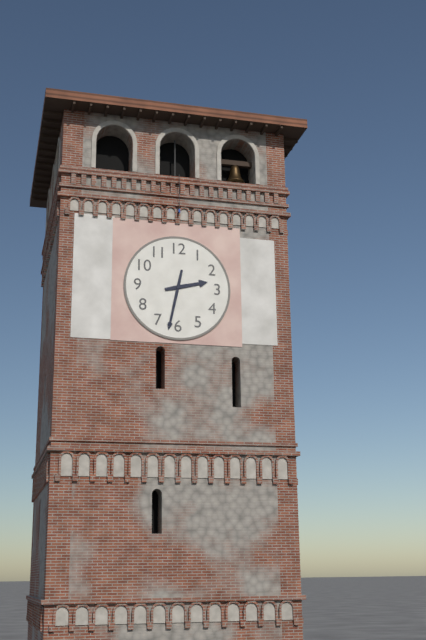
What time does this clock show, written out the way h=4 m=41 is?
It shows h=2 m=32
